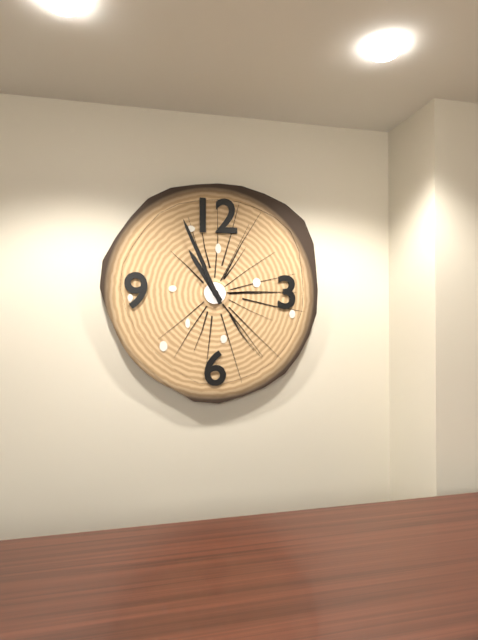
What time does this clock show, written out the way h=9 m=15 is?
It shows h=10 m=56
